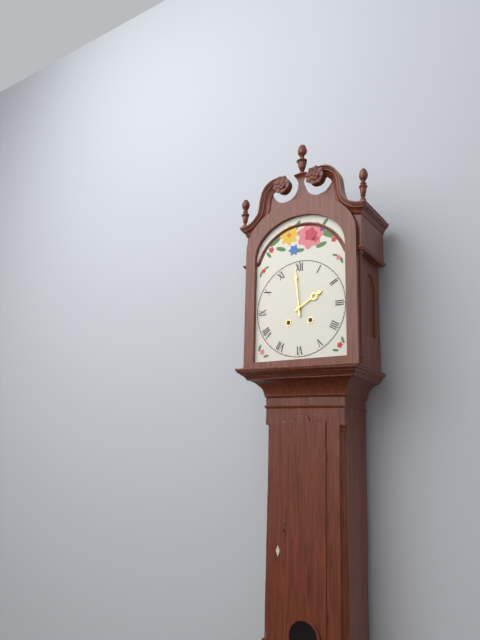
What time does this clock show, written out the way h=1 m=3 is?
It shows h=1 m=59
